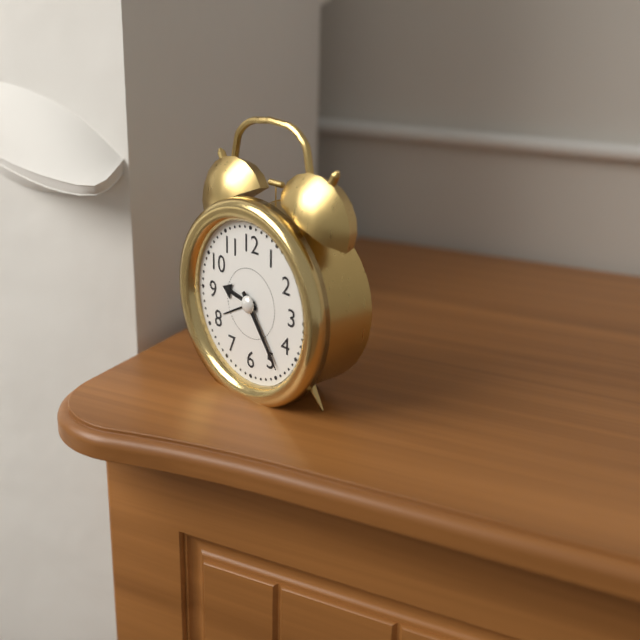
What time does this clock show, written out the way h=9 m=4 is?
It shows h=9 m=24
